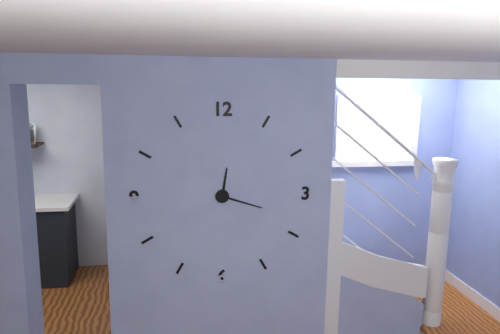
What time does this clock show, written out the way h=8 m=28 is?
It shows h=12 m=18
